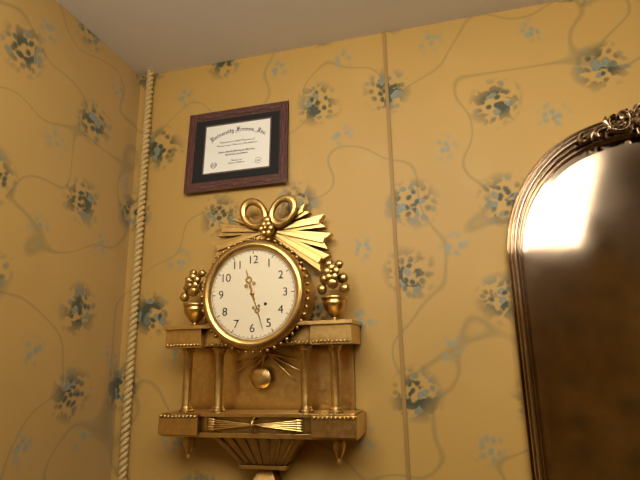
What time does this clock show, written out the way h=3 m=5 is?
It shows h=11 m=27
